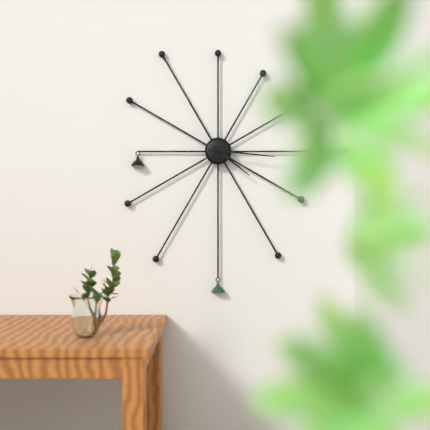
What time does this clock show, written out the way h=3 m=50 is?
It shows h=4 m=16
